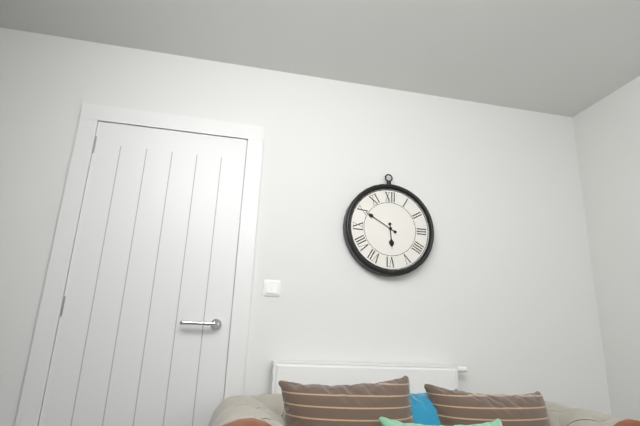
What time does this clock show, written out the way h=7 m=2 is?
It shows h=5 m=50
